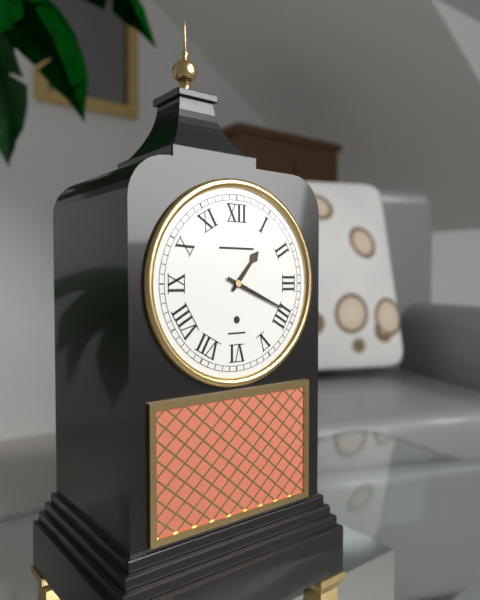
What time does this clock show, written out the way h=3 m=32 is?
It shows h=1 m=19
